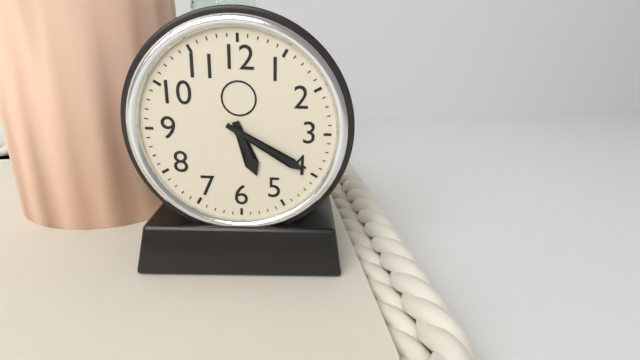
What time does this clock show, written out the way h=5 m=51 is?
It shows h=5 m=20
